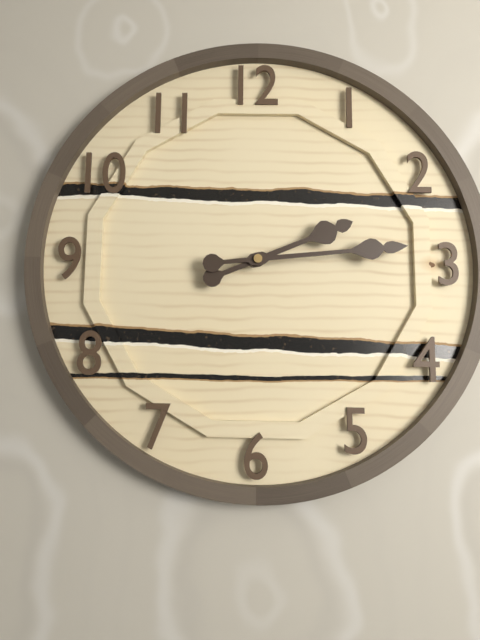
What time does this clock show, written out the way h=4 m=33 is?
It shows h=2 m=14
